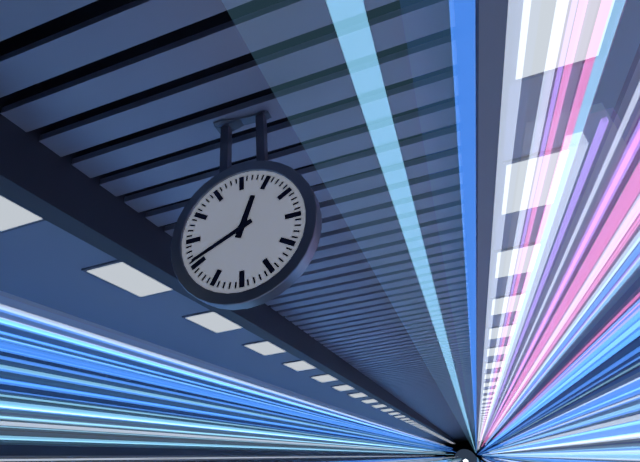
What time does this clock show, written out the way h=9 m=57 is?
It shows h=12 m=41
